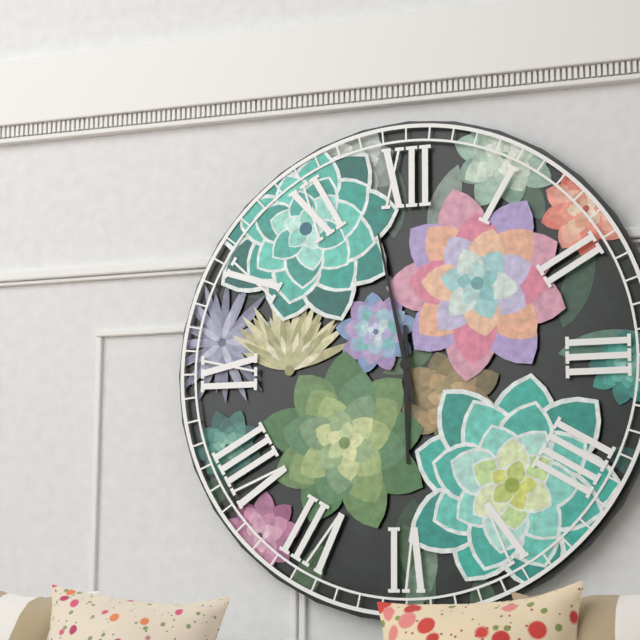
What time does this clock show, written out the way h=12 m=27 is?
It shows h=5 m=58
